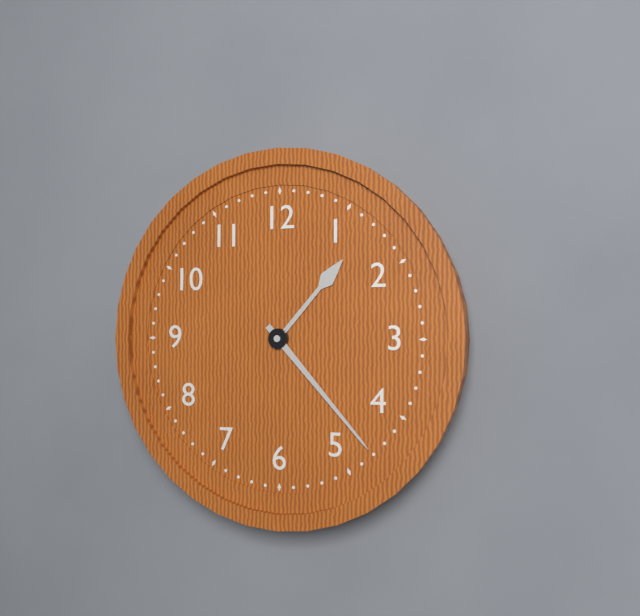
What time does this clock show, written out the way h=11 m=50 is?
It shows h=1 m=23
